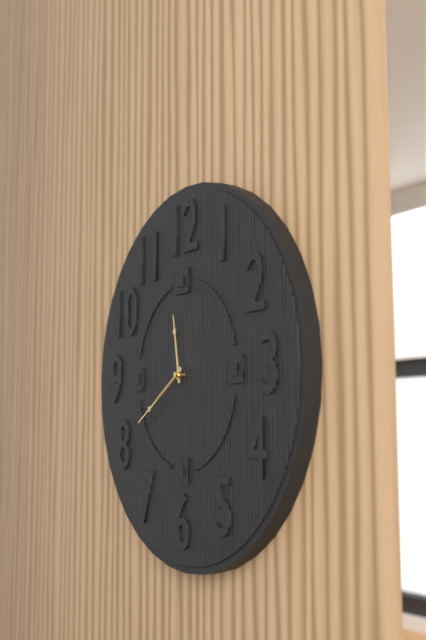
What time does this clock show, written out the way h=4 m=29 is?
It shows h=11 m=40
